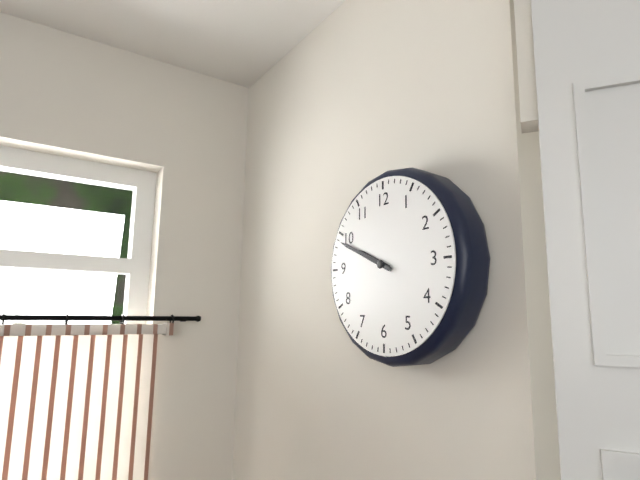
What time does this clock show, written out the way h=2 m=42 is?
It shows h=9 m=49
